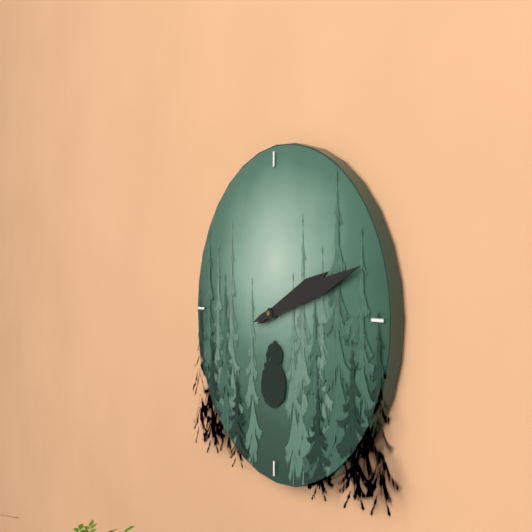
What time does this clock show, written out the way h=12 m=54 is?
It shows h=2 m=12
